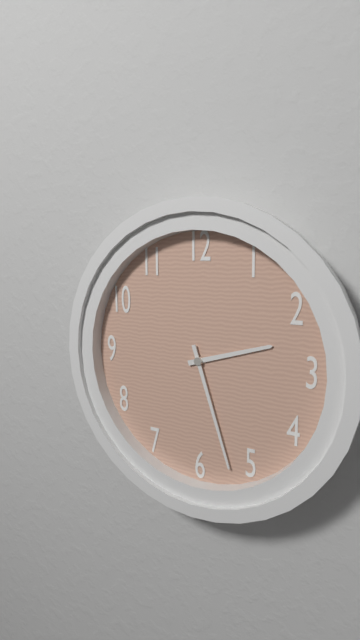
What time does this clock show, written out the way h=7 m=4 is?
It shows h=2 m=27
